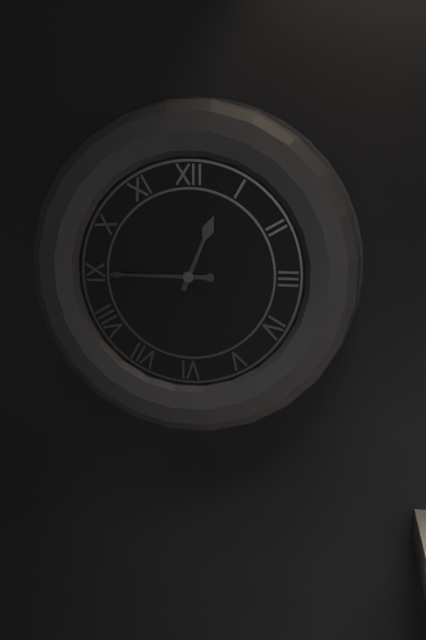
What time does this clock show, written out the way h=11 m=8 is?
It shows h=12 m=45
